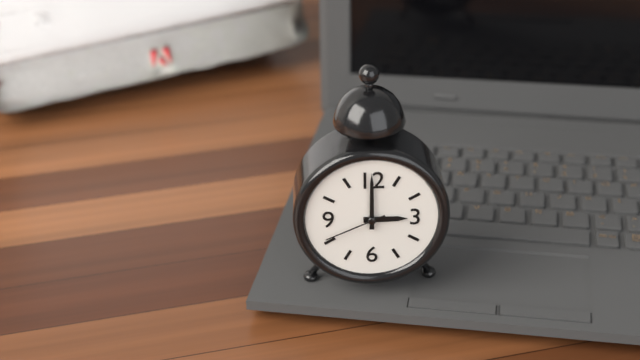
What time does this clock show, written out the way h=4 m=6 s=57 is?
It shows h=3 m=0 s=41
